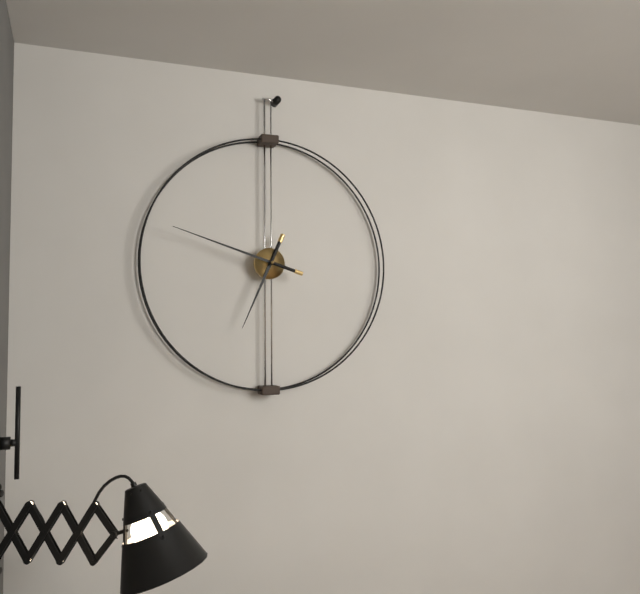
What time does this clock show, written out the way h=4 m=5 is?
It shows h=6 m=48
